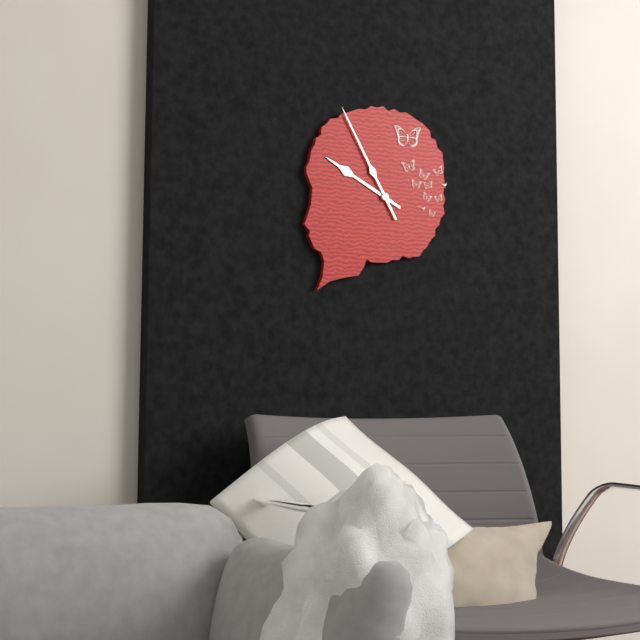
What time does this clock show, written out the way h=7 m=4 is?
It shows h=9 m=55
